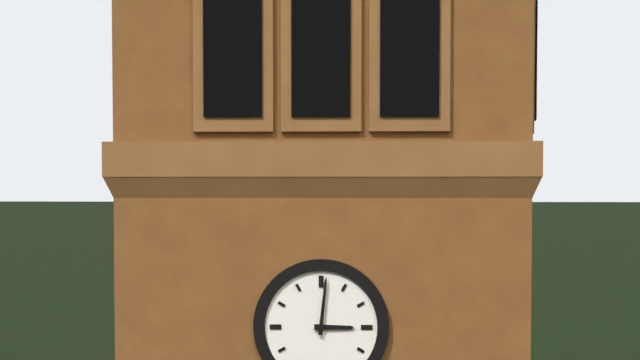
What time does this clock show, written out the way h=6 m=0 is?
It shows h=3 m=1
